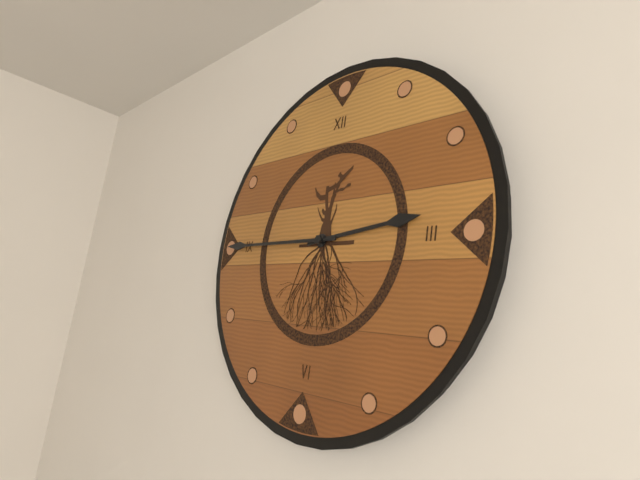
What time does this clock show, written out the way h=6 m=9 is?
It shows h=2 m=45
